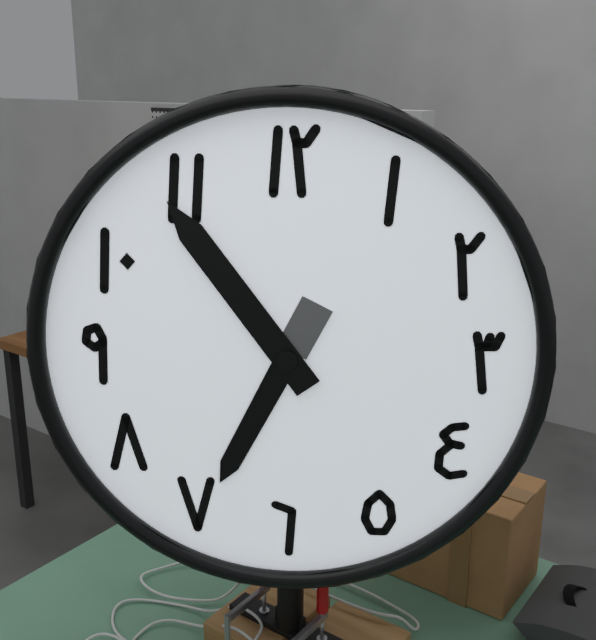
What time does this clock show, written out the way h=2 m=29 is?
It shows h=6 m=54
